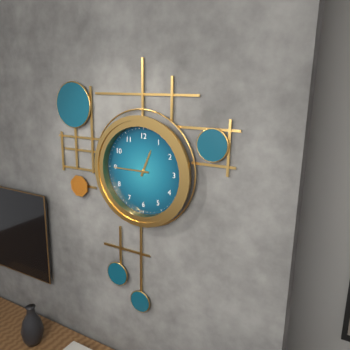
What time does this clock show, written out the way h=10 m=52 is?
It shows h=12 m=45
